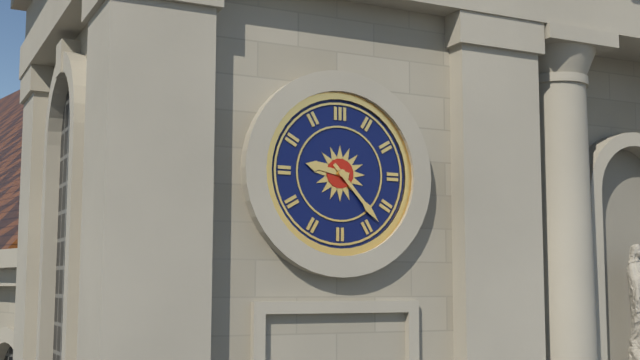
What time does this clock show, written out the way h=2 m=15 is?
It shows h=9 m=23
